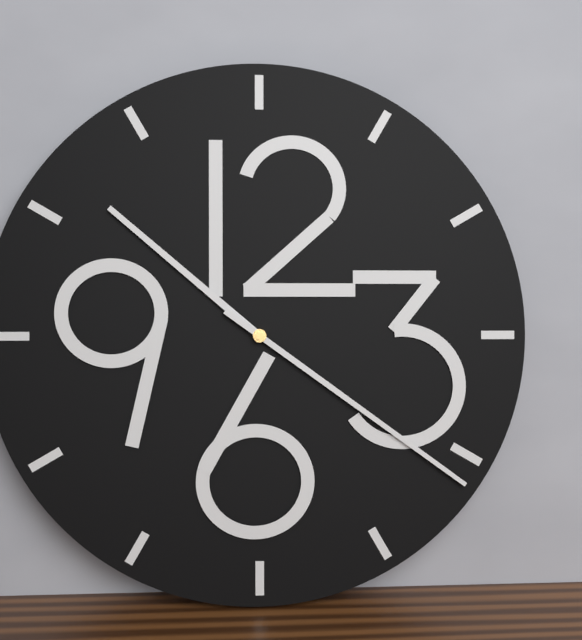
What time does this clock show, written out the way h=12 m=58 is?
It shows h=10 m=21
